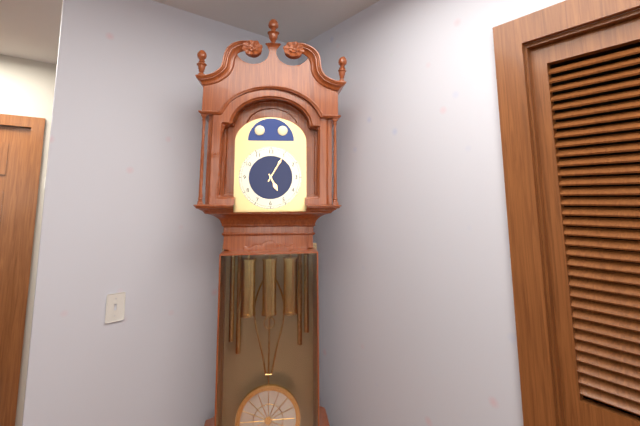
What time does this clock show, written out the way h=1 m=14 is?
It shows h=5 m=5
